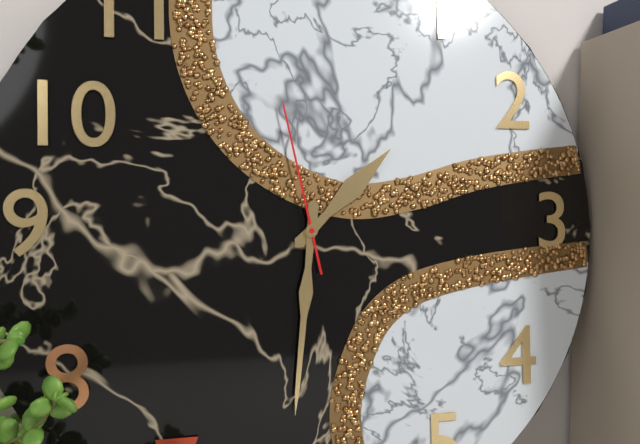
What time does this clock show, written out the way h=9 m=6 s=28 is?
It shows h=1 m=31 s=58
